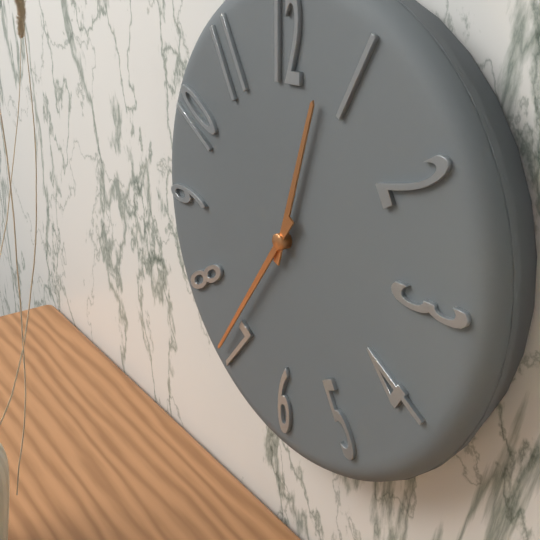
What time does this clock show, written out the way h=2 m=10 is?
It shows h=12 m=36
